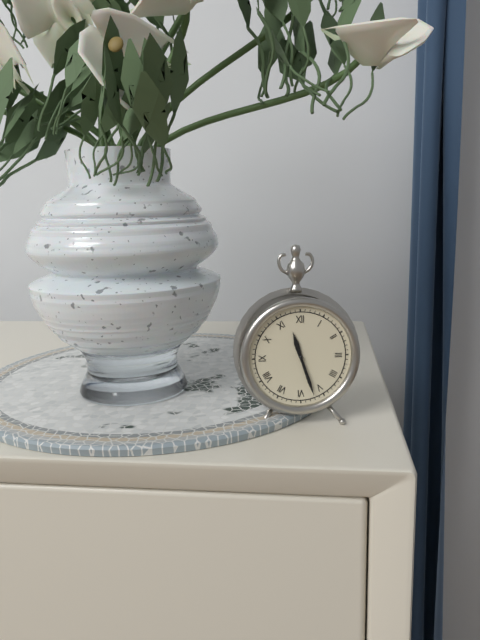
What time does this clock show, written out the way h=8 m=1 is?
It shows h=11 m=27
